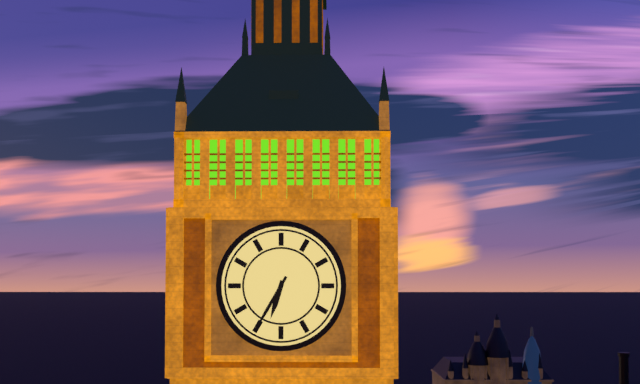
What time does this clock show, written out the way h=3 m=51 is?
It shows h=6 m=35
